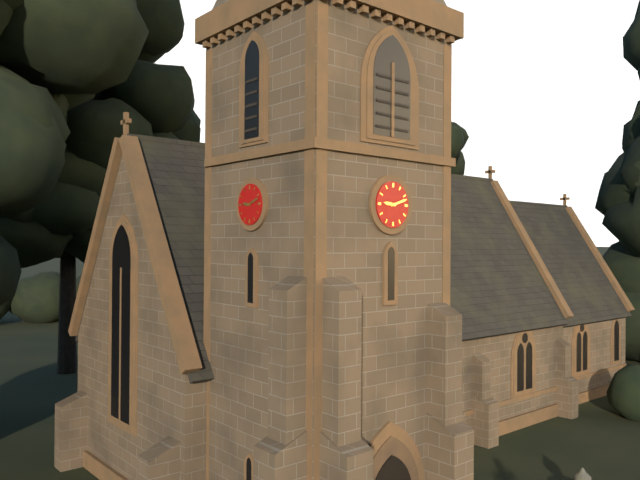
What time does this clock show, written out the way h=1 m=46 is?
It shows h=9 m=12
